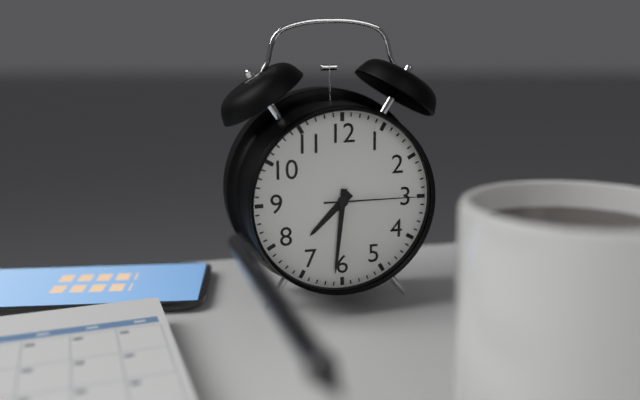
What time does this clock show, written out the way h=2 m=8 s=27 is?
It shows h=7 m=31 s=15
